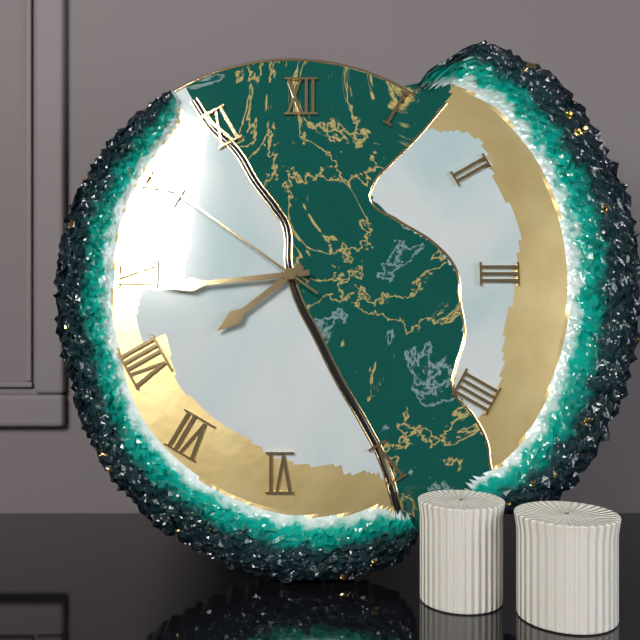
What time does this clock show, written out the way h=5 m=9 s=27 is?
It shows h=7 m=44 s=51
